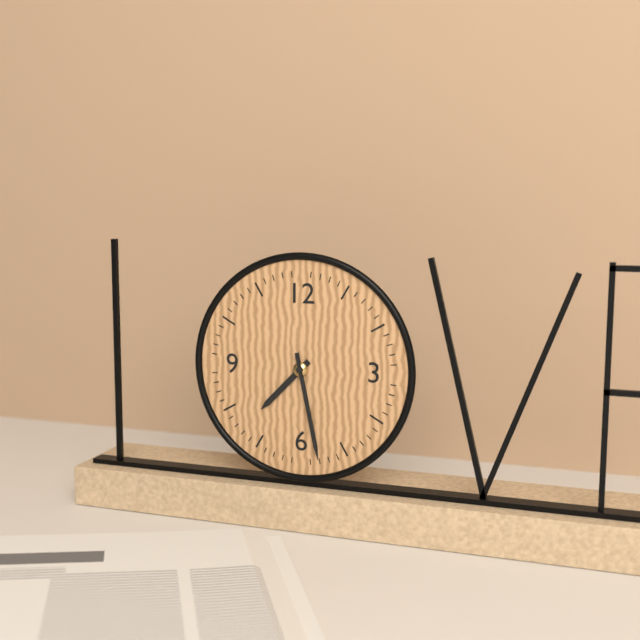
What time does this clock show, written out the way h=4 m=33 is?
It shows h=7 m=28
